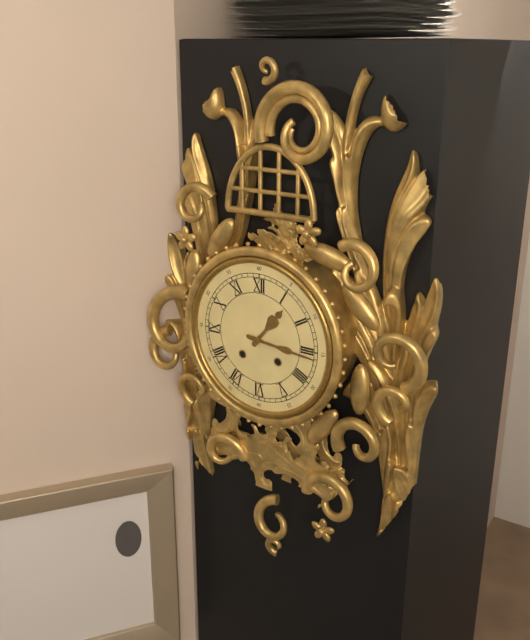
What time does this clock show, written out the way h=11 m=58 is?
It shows h=1 m=16
